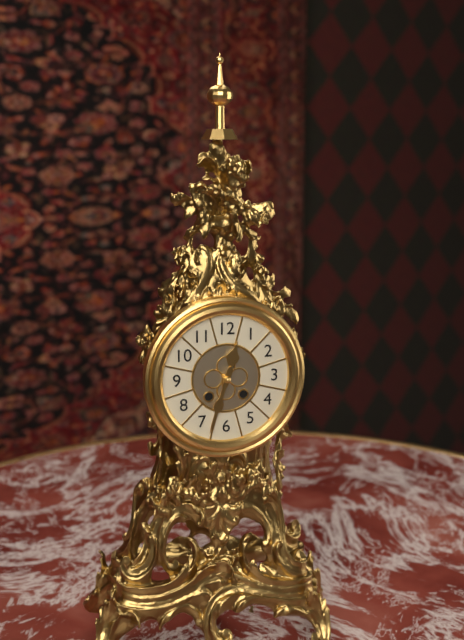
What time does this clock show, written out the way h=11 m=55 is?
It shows h=12 m=33
